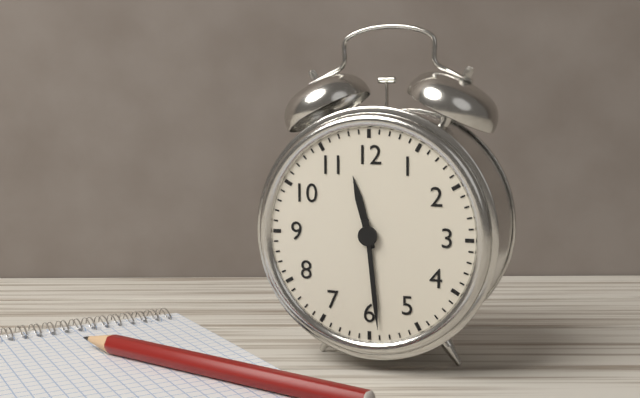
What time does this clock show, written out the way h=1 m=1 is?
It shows h=11 m=29
